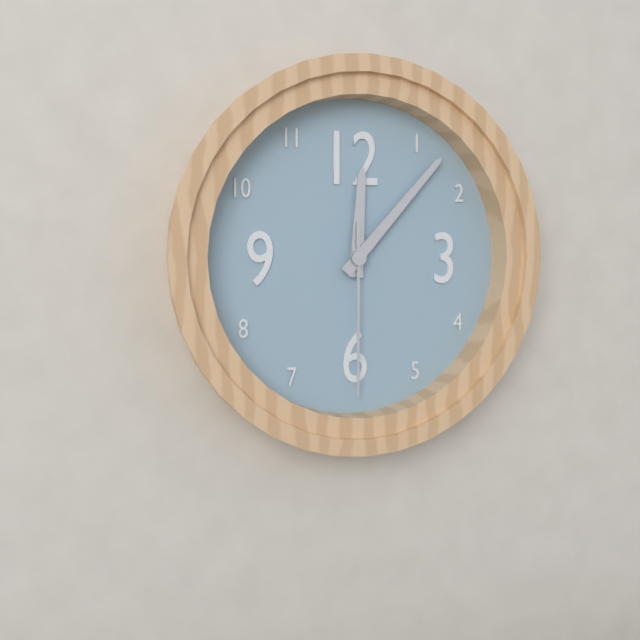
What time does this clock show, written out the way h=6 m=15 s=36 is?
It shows h=12 m=7 s=30
